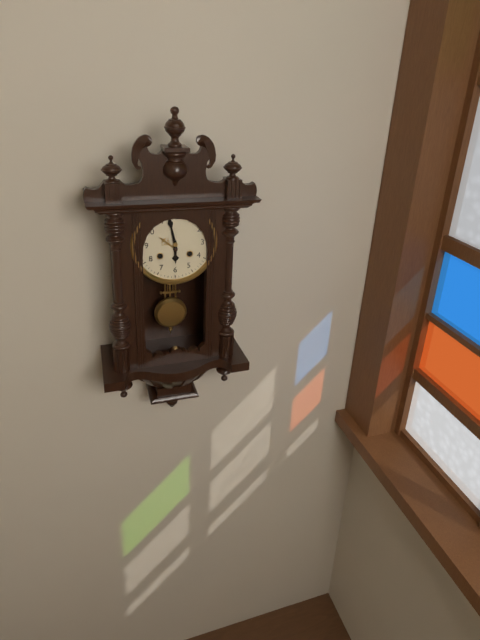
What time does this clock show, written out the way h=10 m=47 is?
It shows h=5 m=58
